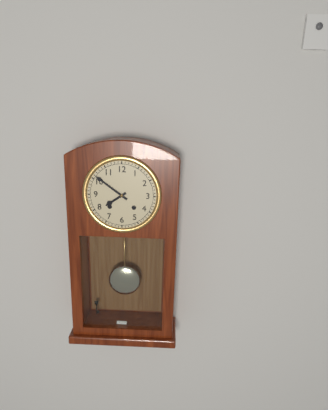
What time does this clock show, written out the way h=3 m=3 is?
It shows h=7 m=51
